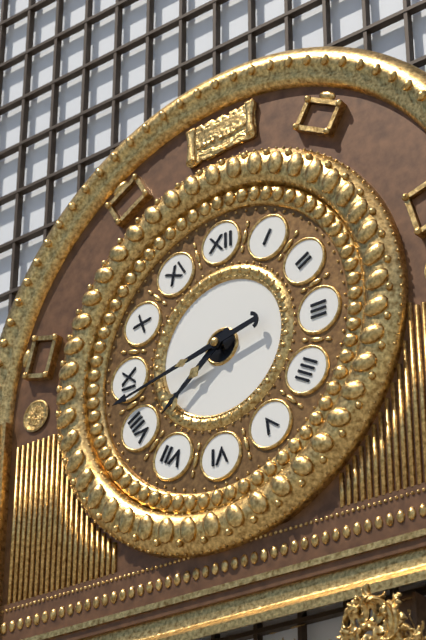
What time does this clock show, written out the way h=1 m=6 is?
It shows h=7 m=43
